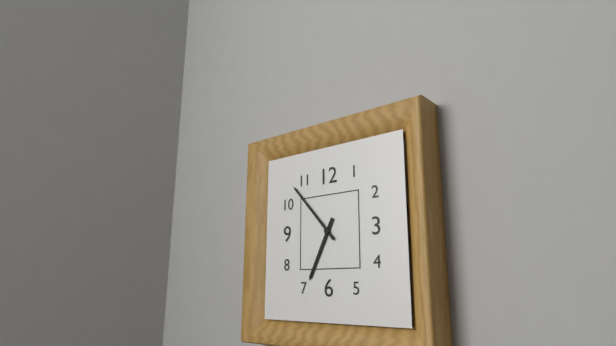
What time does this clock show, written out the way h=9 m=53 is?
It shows h=6 m=53
